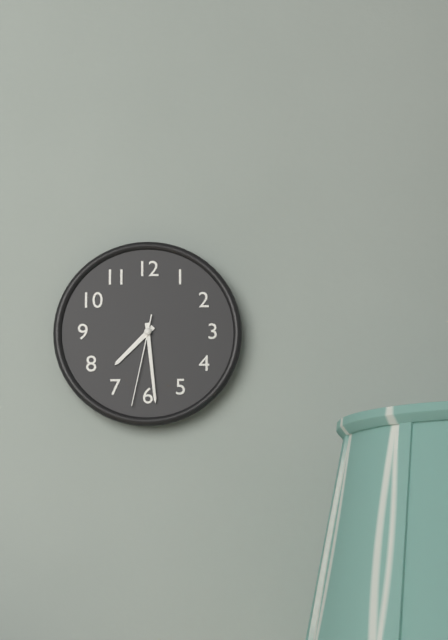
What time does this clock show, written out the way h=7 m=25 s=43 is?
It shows h=7 m=29 s=32
